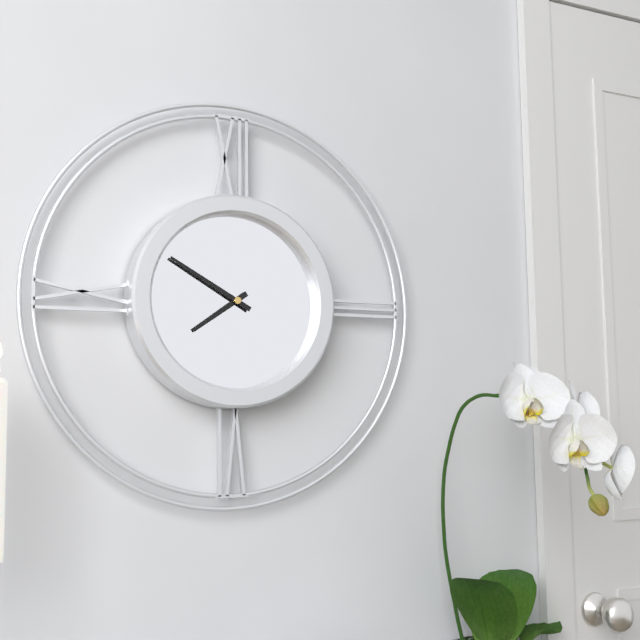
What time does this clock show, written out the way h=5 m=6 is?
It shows h=7 m=50
